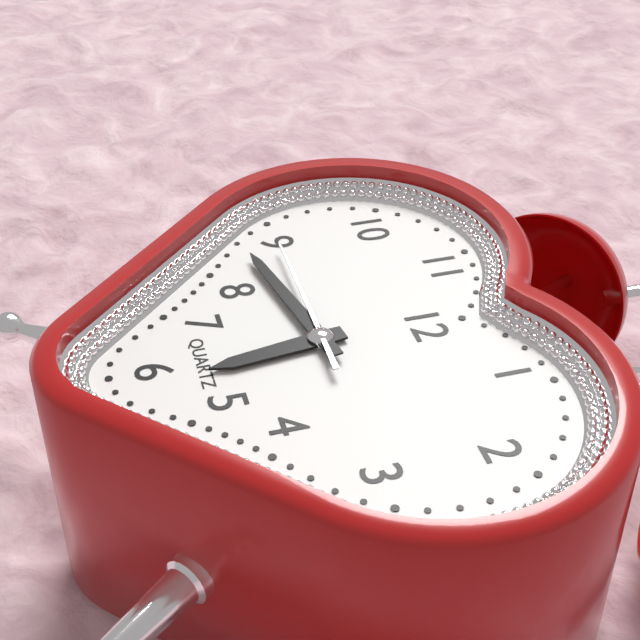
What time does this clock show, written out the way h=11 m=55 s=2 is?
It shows h=5 m=43 s=45
